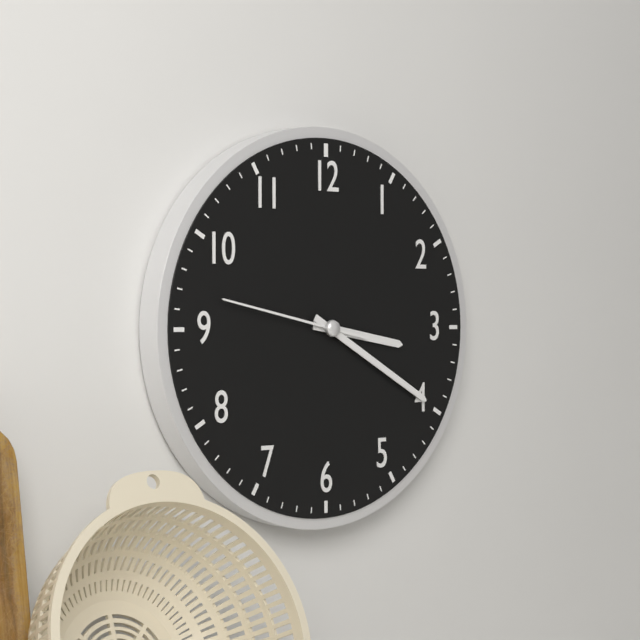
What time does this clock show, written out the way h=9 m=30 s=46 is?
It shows h=3 m=20 s=47
